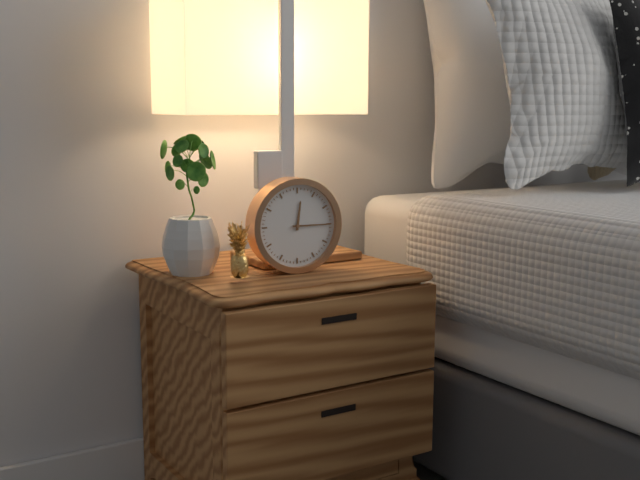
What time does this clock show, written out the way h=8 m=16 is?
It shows h=12 m=15
